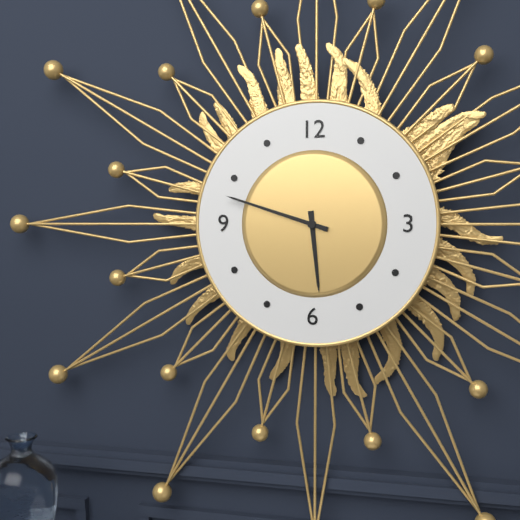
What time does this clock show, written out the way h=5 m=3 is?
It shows h=5 m=48
